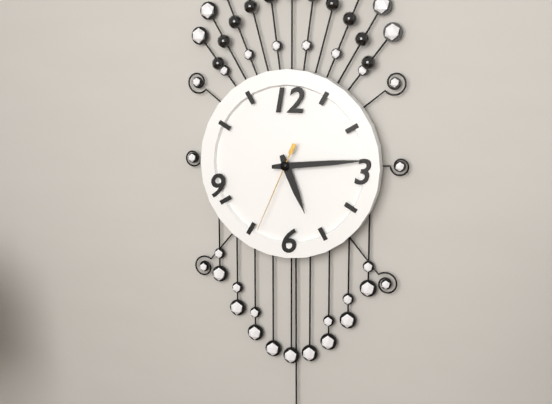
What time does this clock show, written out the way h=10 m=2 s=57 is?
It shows h=5 m=14 s=34
